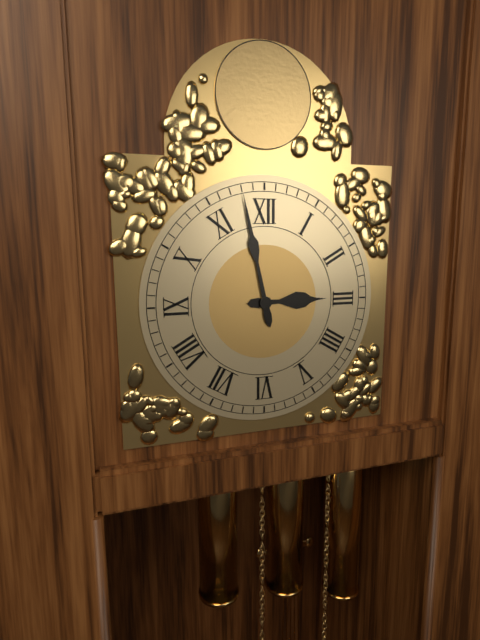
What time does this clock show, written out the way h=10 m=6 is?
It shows h=2 m=58
